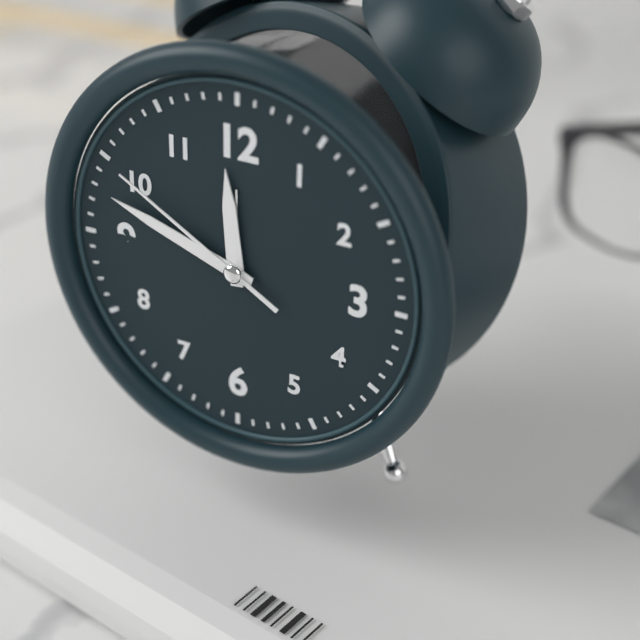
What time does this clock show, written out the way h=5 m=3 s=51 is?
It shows h=11 m=48 s=50
